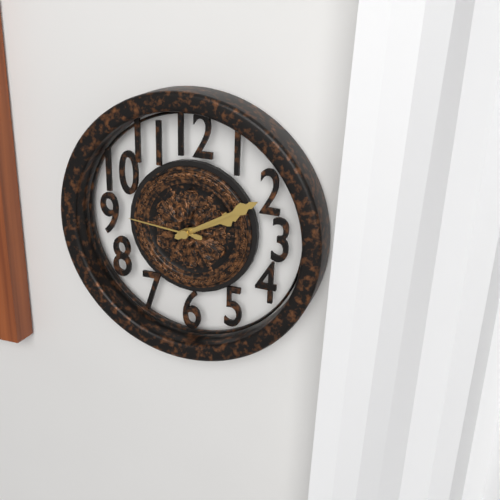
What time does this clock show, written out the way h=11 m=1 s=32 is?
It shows h=2 m=10 s=46
